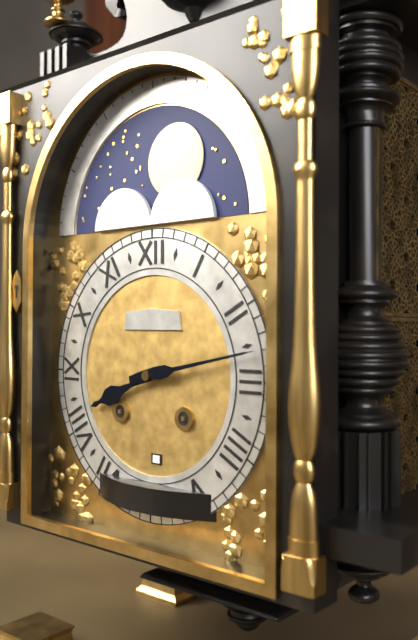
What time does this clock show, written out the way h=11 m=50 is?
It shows h=8 m=13
